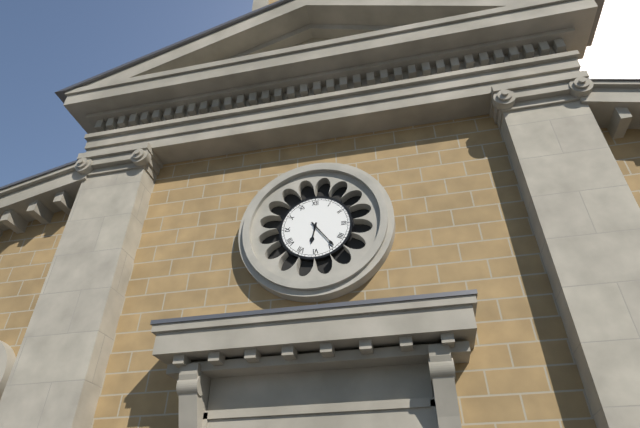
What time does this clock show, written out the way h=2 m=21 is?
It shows h=6 m=24
